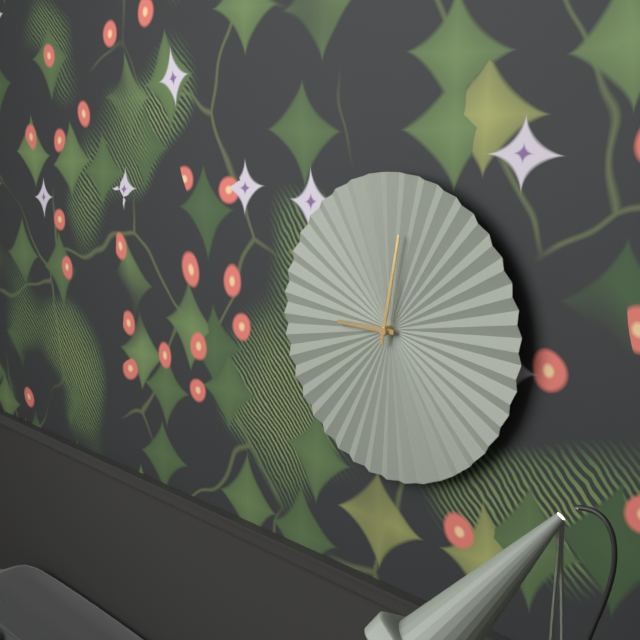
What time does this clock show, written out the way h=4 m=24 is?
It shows h=9 m=2
